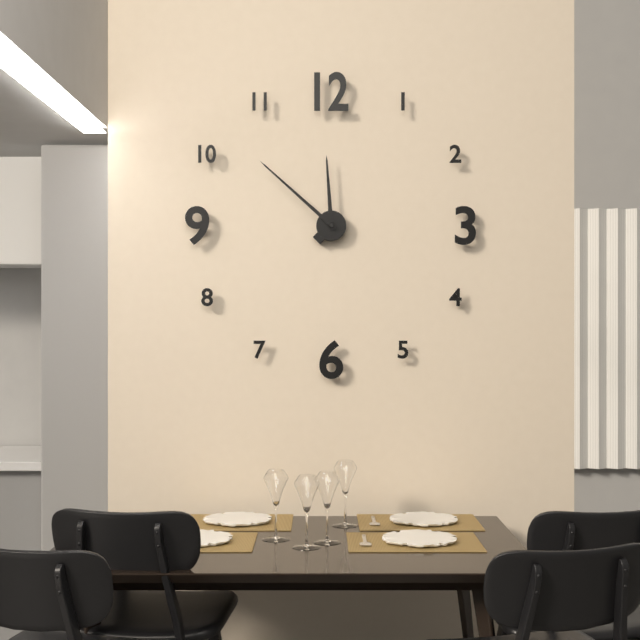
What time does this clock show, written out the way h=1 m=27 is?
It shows h=11 m=52
